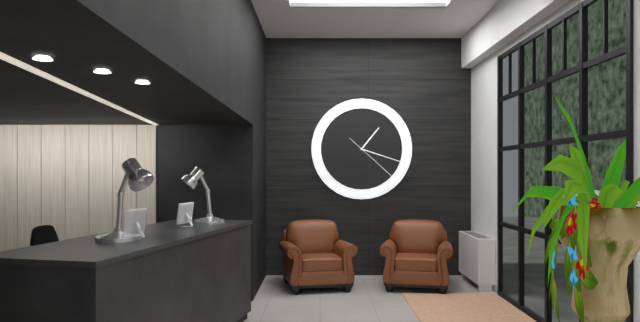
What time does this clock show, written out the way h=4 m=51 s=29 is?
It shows h=1 m=18 s=22
